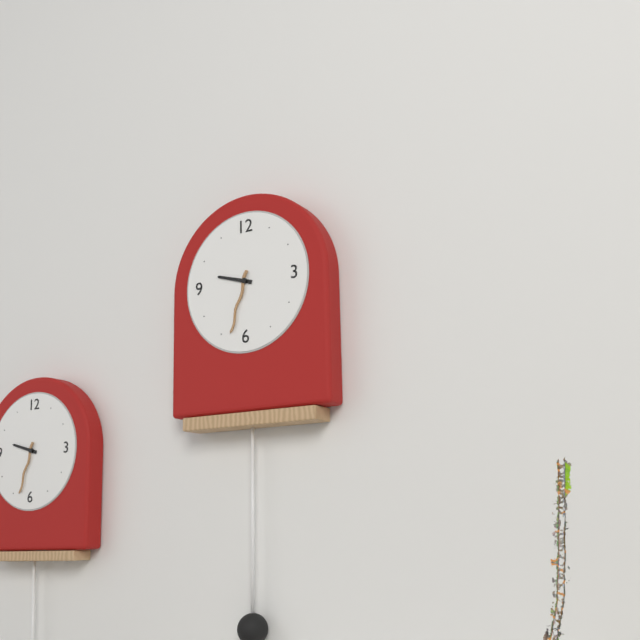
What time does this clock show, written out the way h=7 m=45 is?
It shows h=9 m=33
